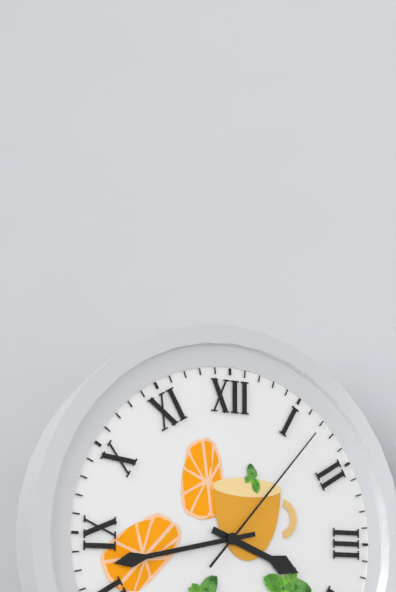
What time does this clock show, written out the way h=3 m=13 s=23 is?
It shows h=3 m=43 s=7
